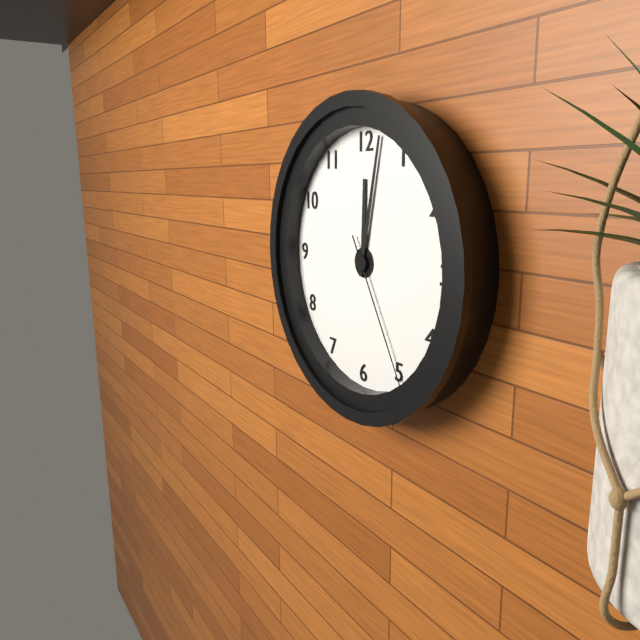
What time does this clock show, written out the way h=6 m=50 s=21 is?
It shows h=12 m=2 s=25
